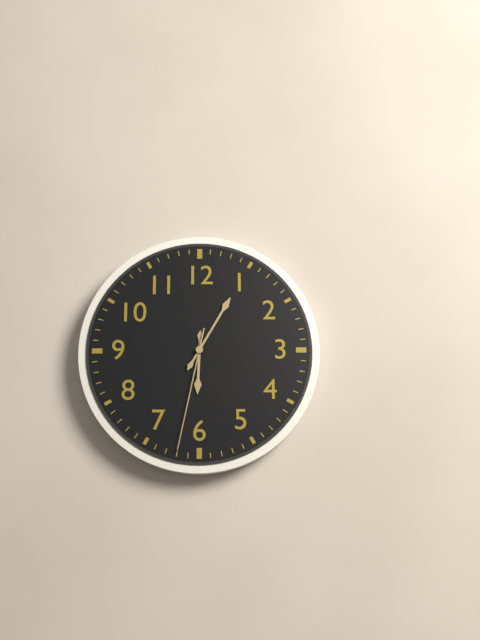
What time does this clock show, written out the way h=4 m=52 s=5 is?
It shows h=6 m=5 s=32
